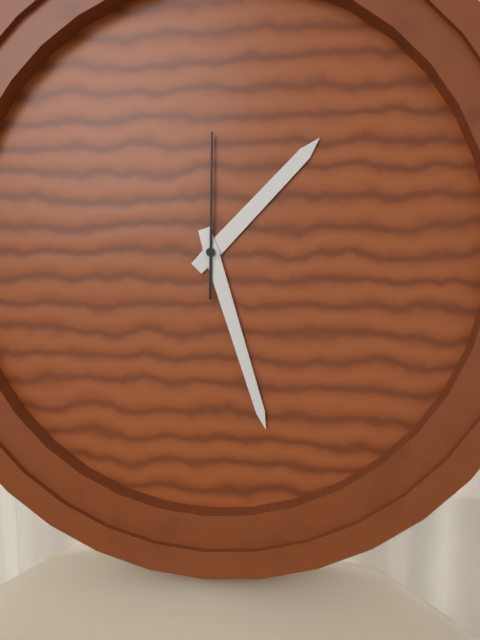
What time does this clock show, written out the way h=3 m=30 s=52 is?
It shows h=1 m=27 s=0
